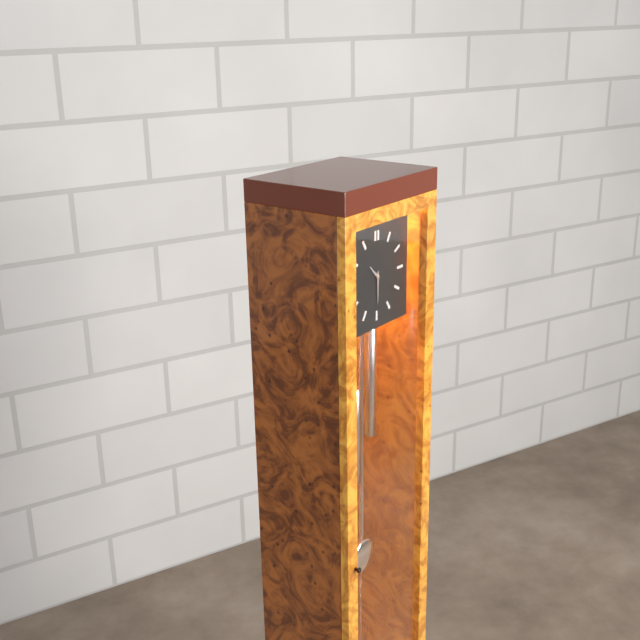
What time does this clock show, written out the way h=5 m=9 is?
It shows h=10 m=30
